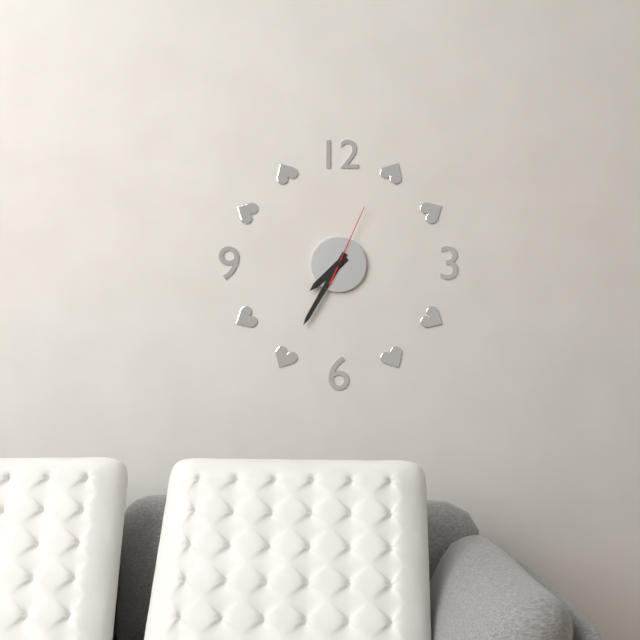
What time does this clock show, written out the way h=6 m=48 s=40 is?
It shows h=7 m=35 s=4
